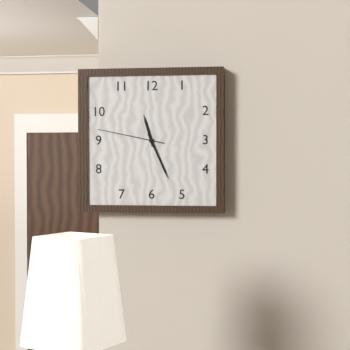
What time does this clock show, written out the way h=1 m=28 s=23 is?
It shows h=11 m=26 s=47
